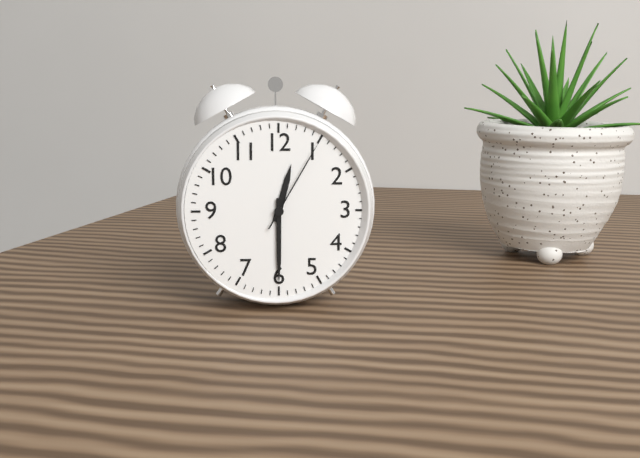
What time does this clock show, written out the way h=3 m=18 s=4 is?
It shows h=12 m=30 s=5
